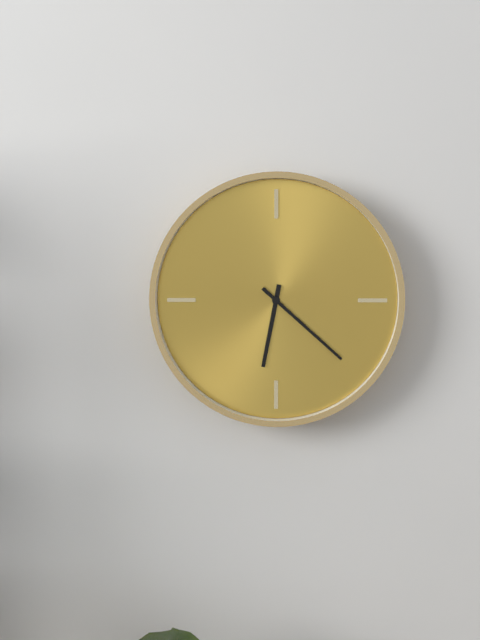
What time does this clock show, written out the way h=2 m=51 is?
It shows h=6 m=22
